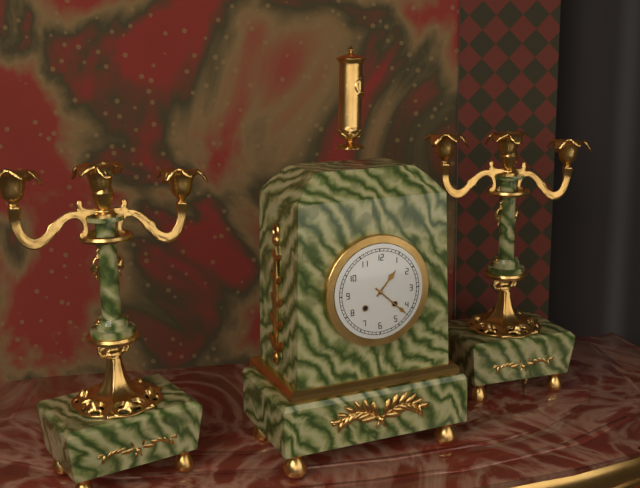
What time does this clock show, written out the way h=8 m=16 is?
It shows h=1 m=22
